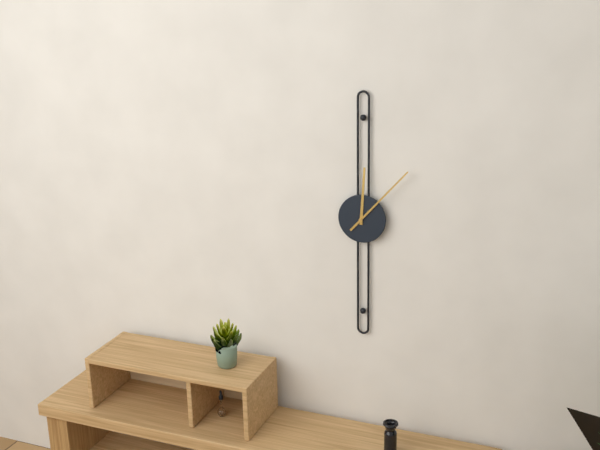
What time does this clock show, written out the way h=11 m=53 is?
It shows h=12 m=7
